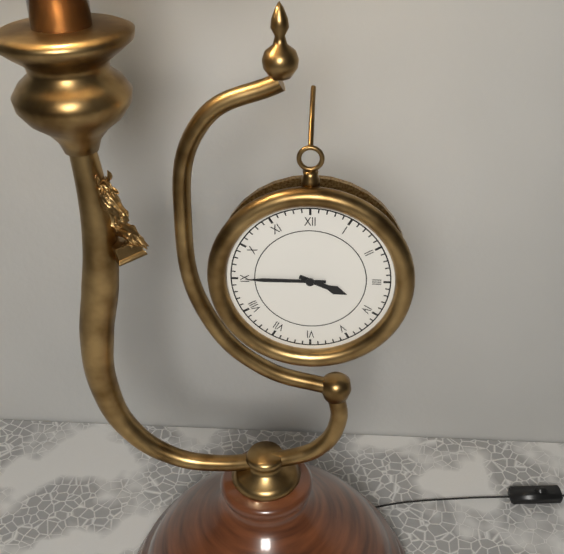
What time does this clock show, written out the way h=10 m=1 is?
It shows h=3 m=45
